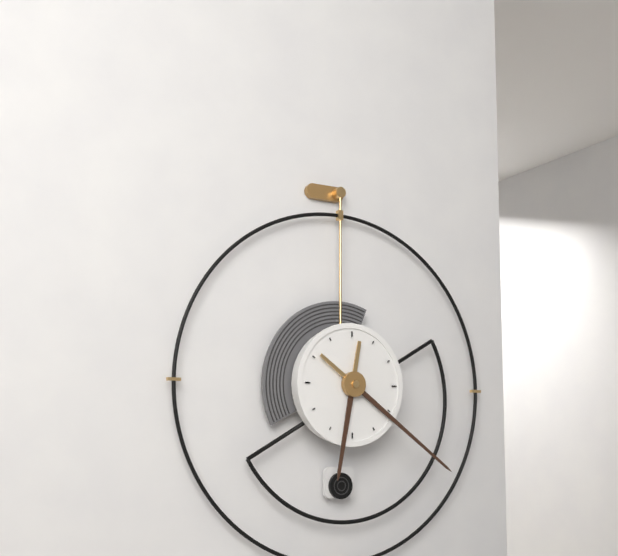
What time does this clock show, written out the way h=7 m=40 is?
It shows h=6 m=21
